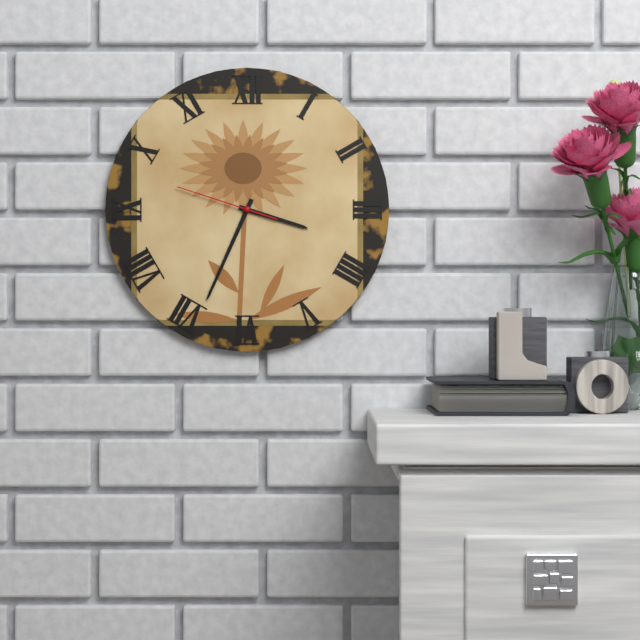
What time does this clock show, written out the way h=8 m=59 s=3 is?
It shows h=3 m=34 s=48
